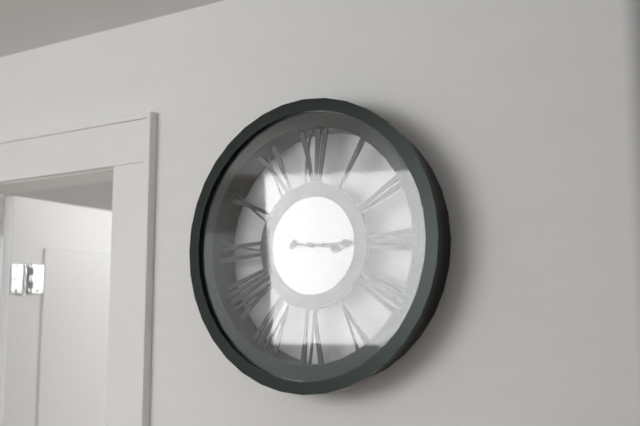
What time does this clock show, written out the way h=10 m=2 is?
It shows h=3 m=15
